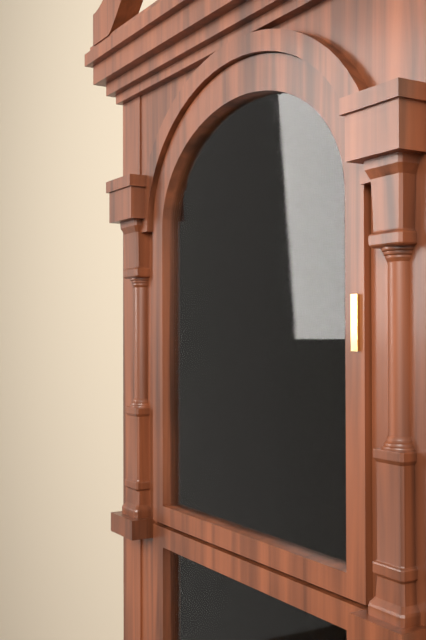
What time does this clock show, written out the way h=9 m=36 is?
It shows h=10 m=8
